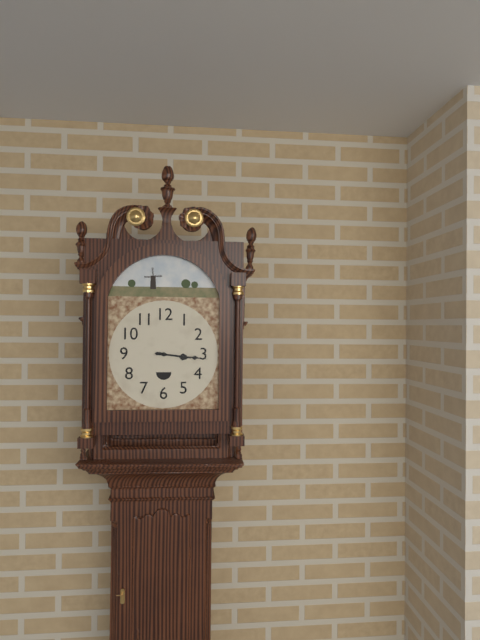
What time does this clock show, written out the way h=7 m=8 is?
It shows h=3 m=16
